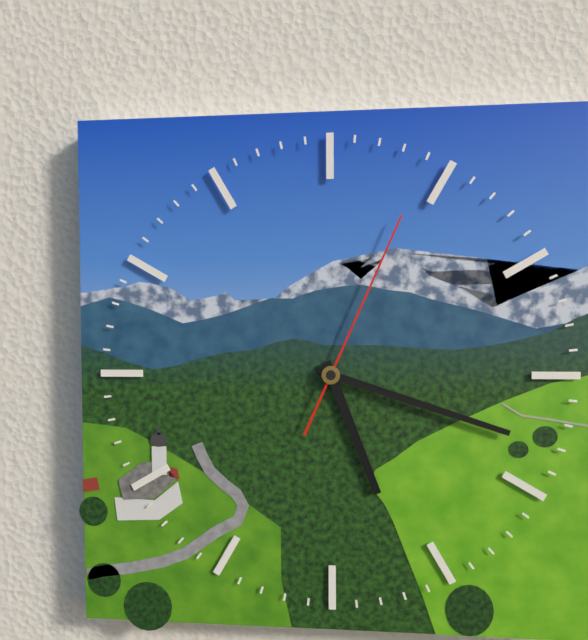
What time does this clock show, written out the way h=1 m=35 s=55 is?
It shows h=5 m=18 s=4
